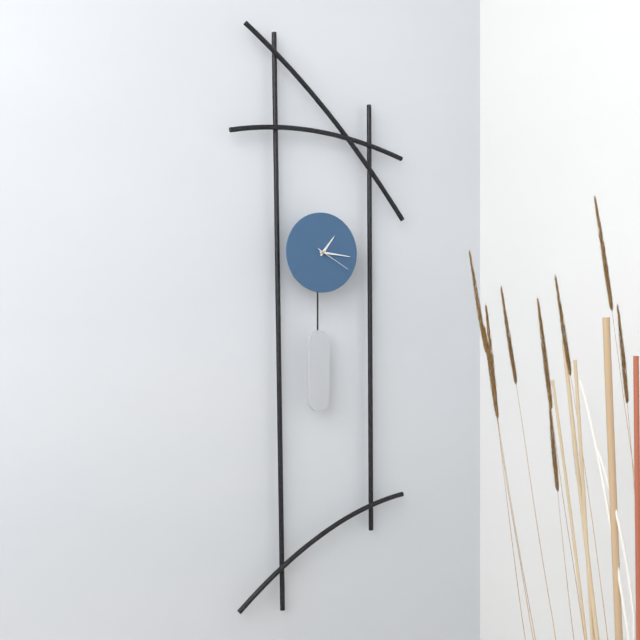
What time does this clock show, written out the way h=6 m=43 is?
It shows h=1 m=16
